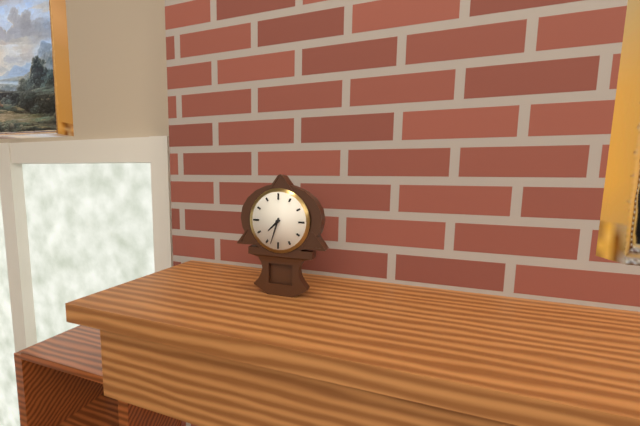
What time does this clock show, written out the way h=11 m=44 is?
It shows h=7 m=33
